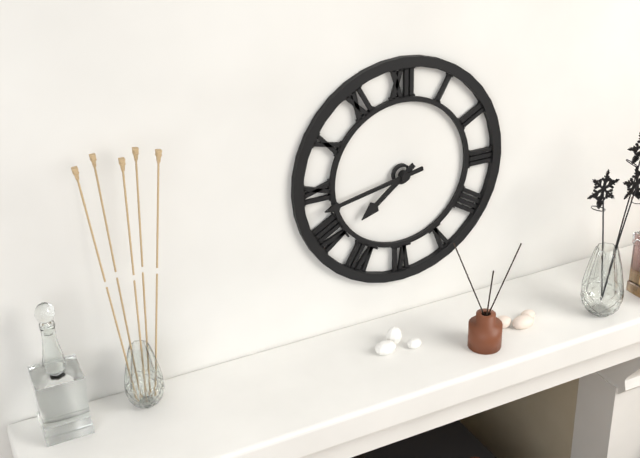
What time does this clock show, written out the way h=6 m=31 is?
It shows h=7 m=43
